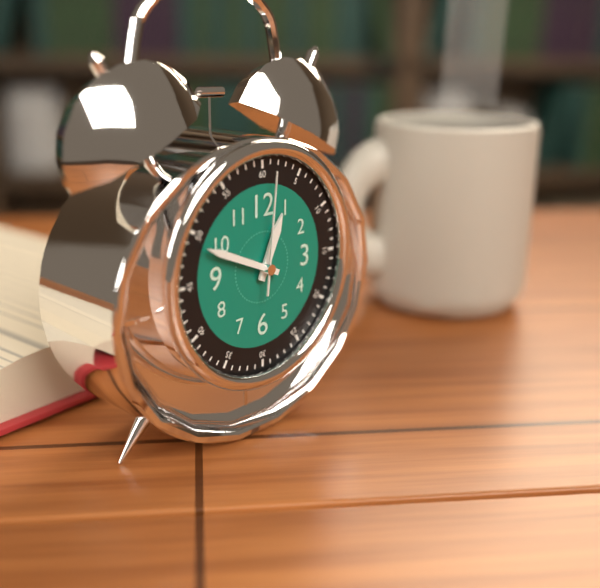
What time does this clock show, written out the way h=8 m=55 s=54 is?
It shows h=12 m=49 s=1
